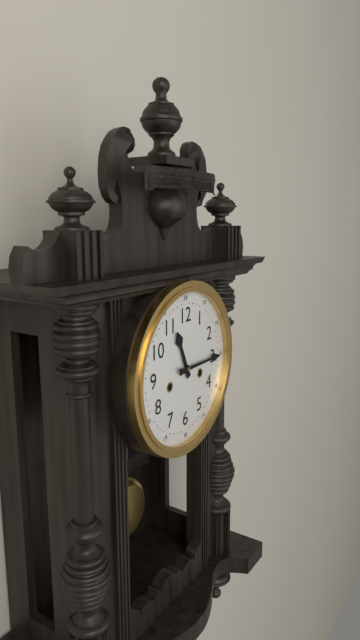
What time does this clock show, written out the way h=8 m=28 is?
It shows h=11 m=15
